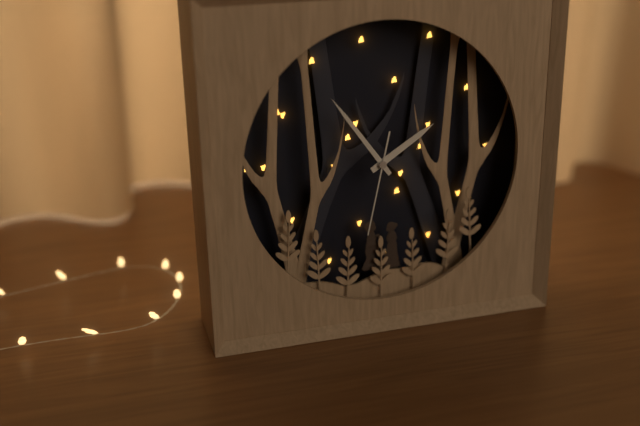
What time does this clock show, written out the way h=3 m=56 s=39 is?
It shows h=1 m=54 s=32
